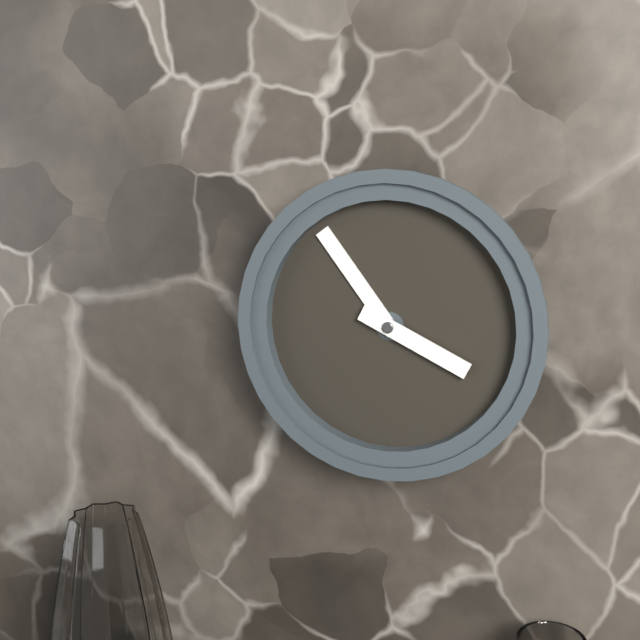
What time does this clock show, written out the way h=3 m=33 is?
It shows h=3 m=54
